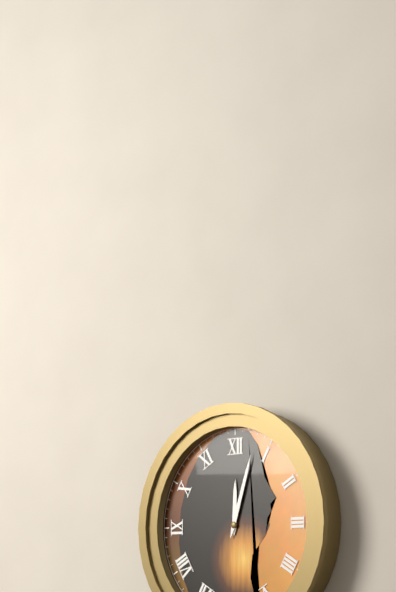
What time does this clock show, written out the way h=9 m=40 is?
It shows h=12 m=3
